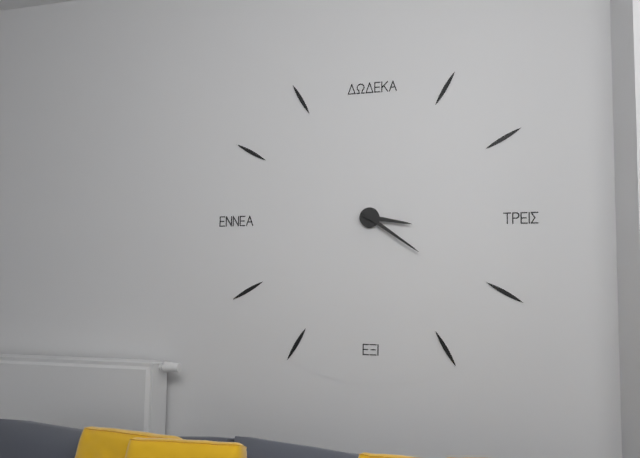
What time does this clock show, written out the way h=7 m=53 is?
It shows h=3 m=21
